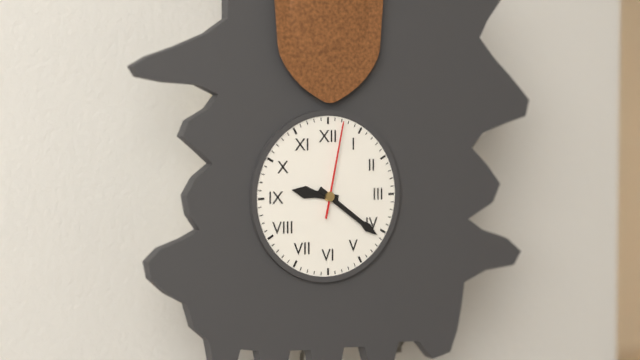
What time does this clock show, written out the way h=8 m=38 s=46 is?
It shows h=9 m=21 s=2
